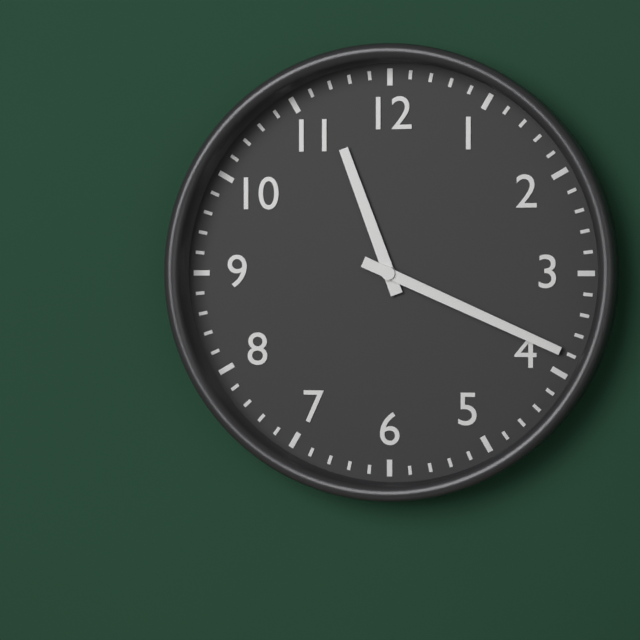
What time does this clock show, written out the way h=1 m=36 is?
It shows h=11 m=19
